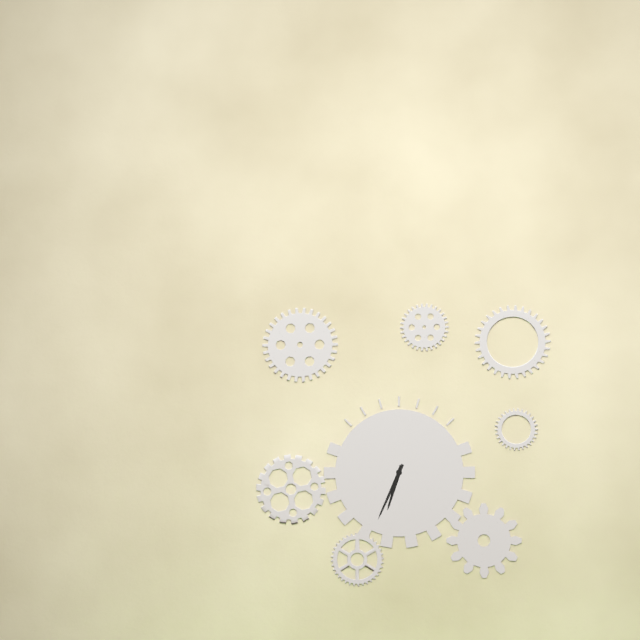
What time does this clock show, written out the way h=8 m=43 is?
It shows h=6 m=34
